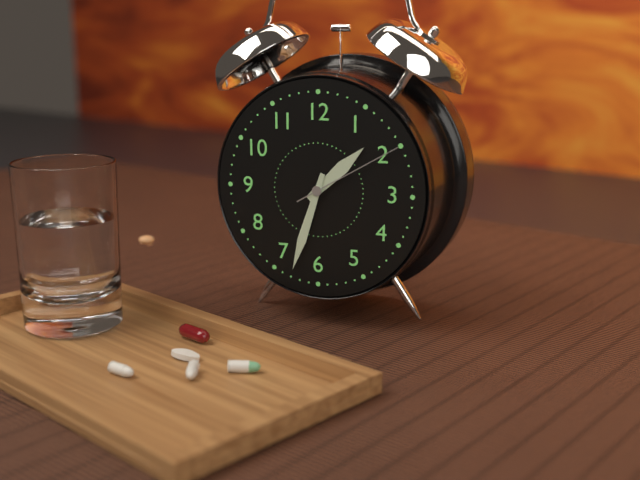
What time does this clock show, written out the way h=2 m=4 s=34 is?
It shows h=1 m=33 s=10
